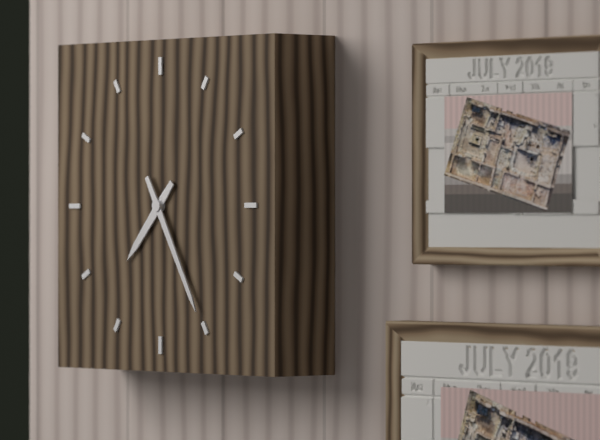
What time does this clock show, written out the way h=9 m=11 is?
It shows h=7 m=25
